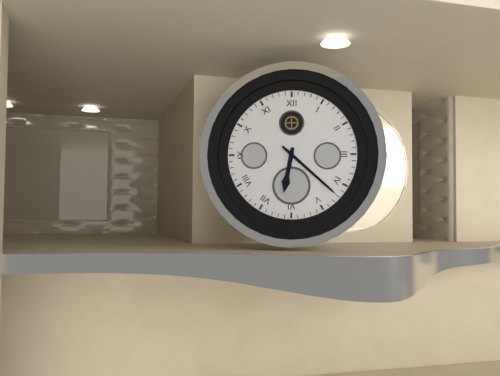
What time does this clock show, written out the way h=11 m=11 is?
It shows h=6 m=22
